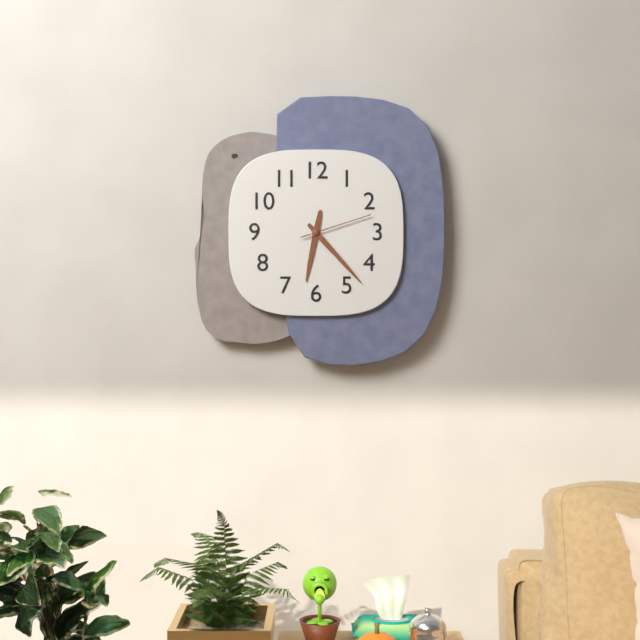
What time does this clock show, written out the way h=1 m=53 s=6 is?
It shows h=6 m=23 s=12
